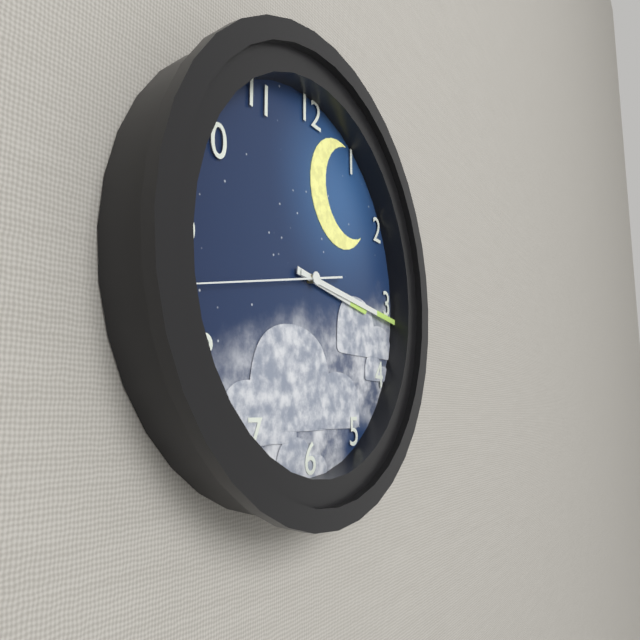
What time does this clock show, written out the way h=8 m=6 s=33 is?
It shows h=3 m=16 s=43
